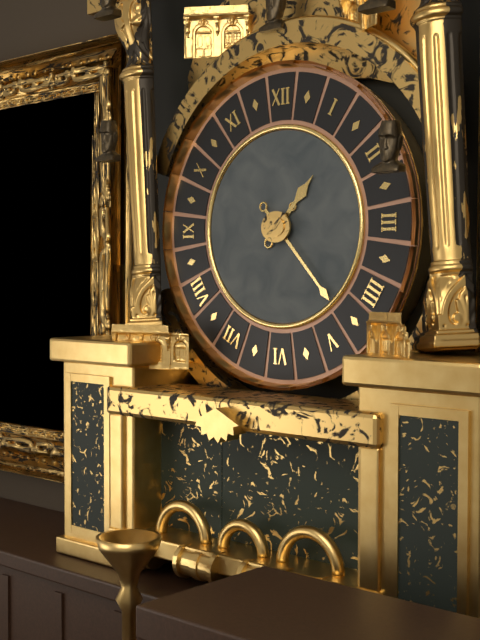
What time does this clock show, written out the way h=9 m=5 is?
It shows h=1 m=23
